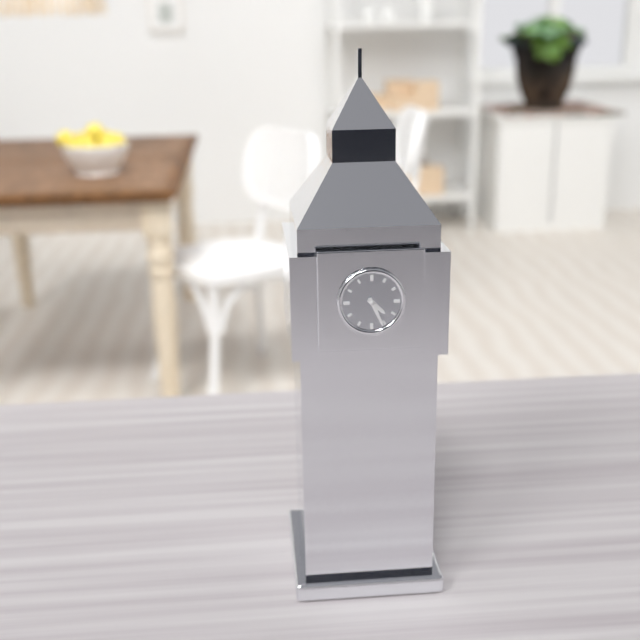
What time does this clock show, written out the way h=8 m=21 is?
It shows h=4 m=26
